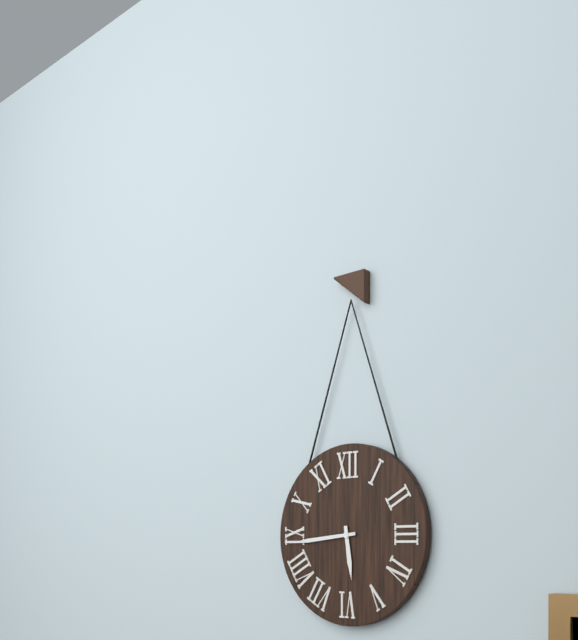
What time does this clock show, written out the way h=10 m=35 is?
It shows h=5 m=44
